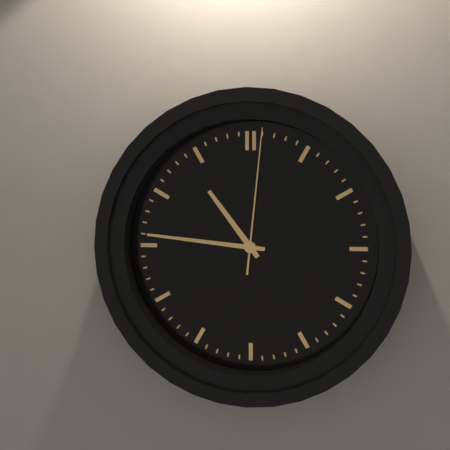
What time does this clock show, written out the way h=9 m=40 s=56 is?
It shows h=10 m=46 s=1
